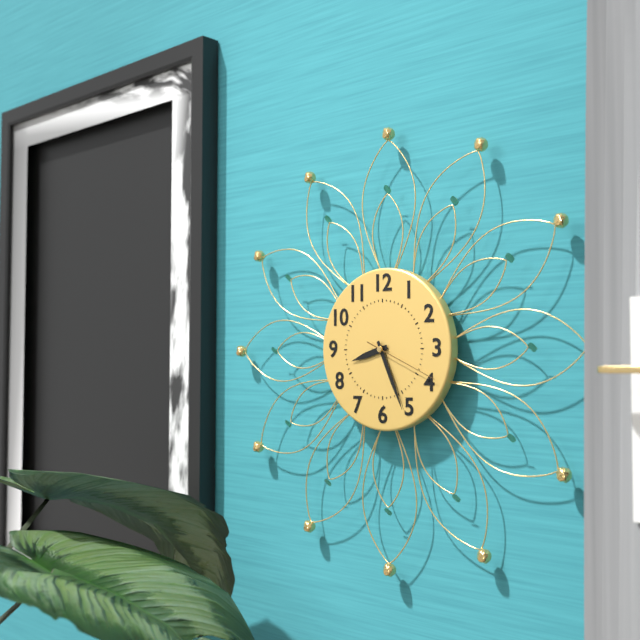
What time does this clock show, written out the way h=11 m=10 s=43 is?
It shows h=8 m=26 s=19
